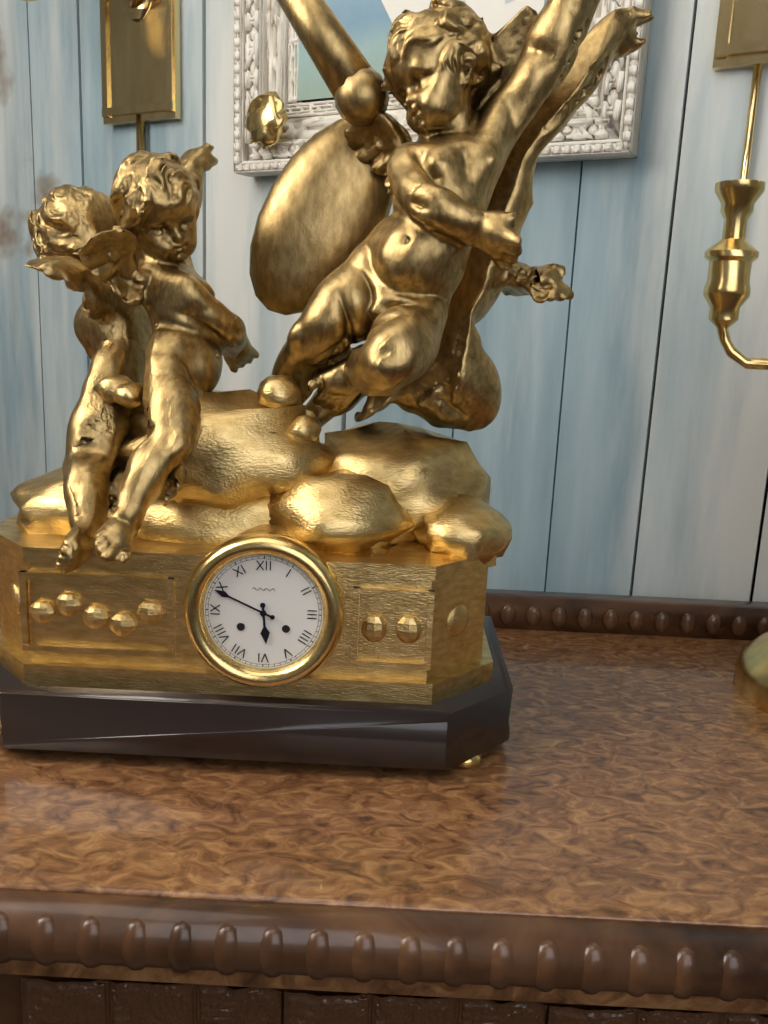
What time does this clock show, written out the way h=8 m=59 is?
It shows h=5 m=49
